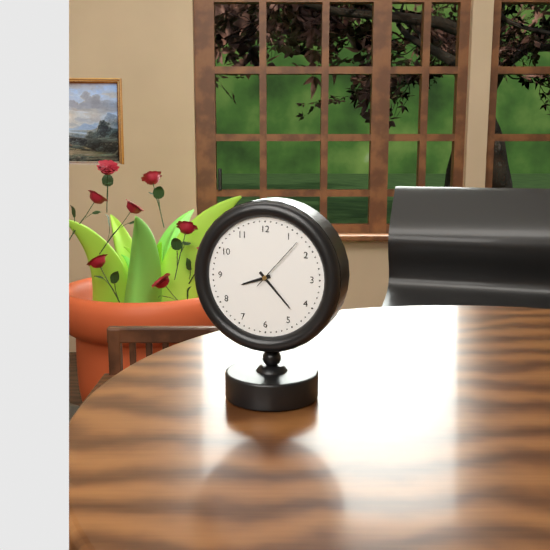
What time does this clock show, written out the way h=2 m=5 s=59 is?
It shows h=8 m=23 s=7
